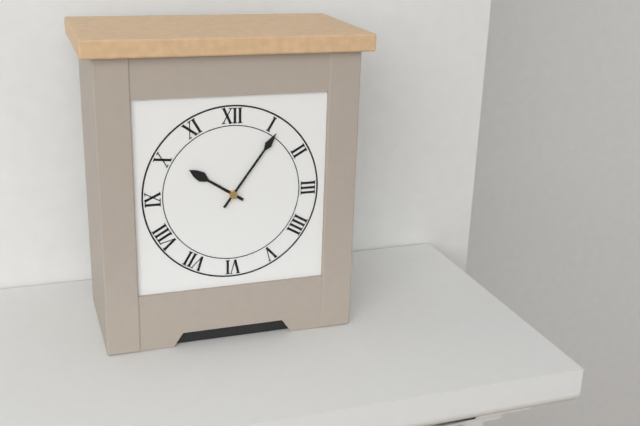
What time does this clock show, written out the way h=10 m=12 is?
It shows h=10 m=6
